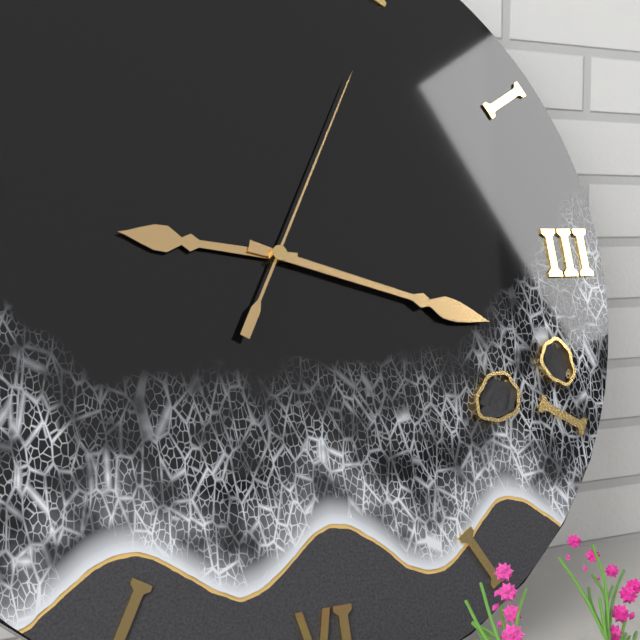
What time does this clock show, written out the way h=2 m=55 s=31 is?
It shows h=9 m=18 s=5
